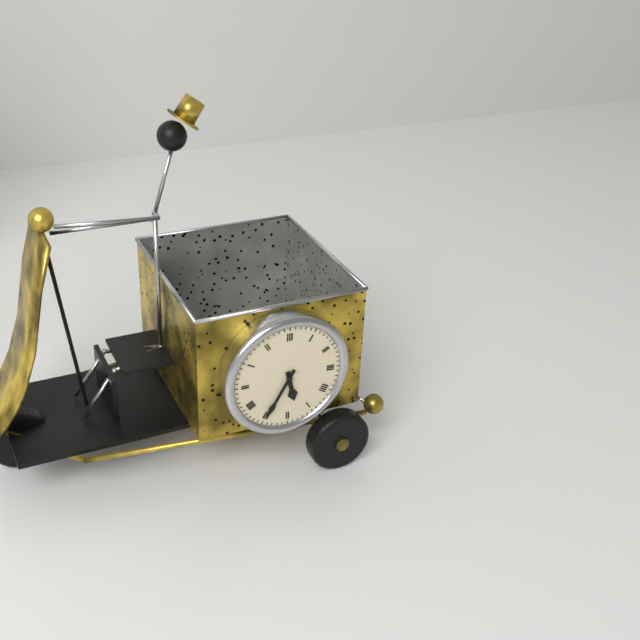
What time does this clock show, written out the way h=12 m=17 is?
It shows h=5 m=35
